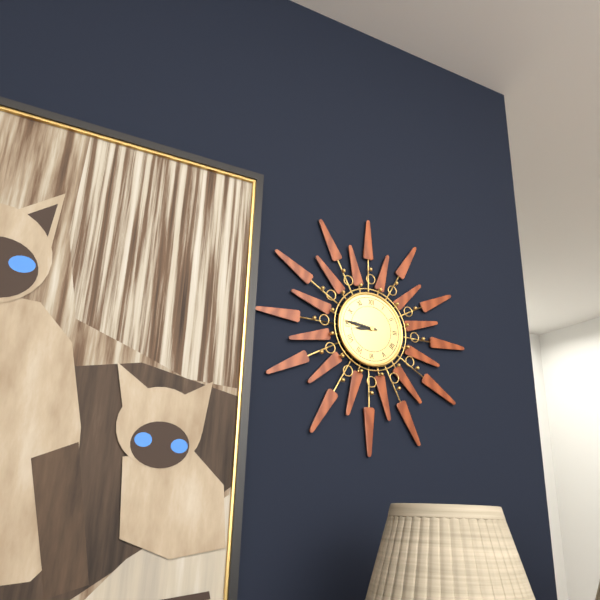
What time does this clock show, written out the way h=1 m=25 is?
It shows h=8 m=46
